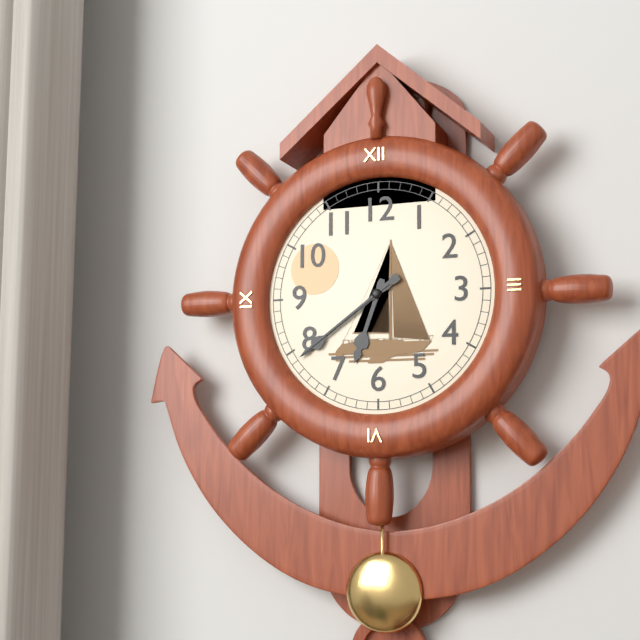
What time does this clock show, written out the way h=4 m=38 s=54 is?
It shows h=6 m=39 s=39
